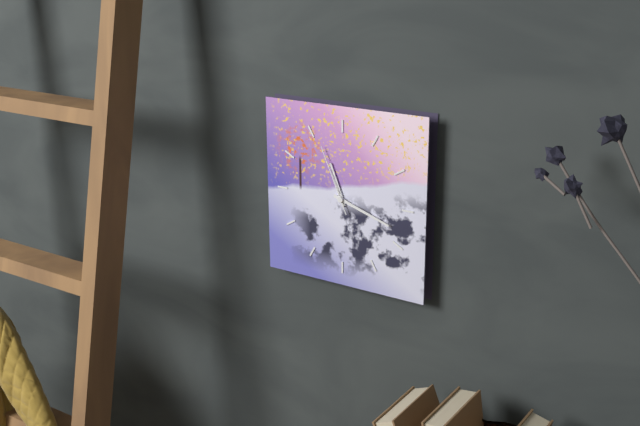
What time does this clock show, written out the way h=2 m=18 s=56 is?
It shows h=11 m=18 s=56
